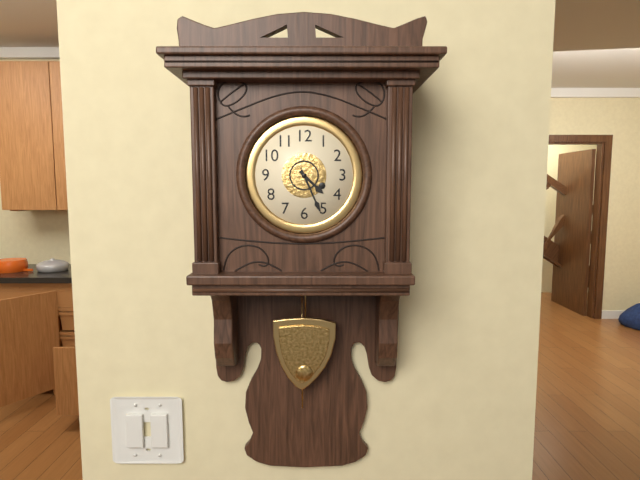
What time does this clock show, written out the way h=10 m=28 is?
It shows h=4 m=26
